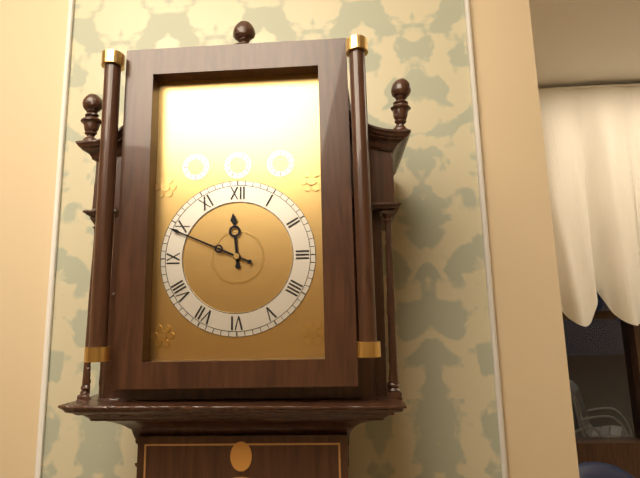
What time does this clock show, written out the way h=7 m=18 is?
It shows h=11 m=49
